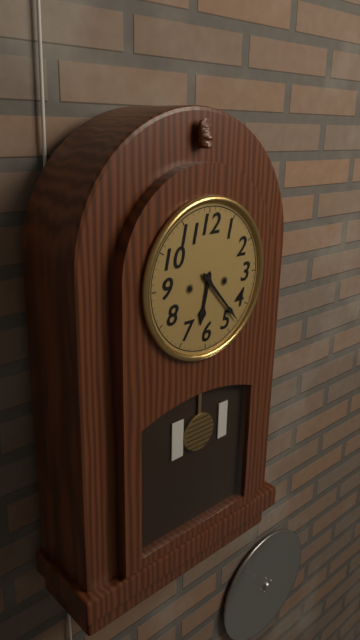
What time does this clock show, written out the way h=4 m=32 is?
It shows h=6 m=23
